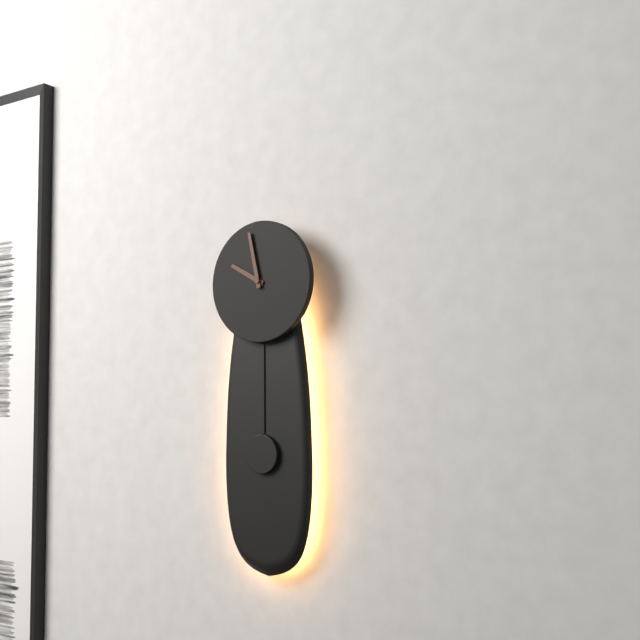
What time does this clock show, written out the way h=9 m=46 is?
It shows h=9 m=58
